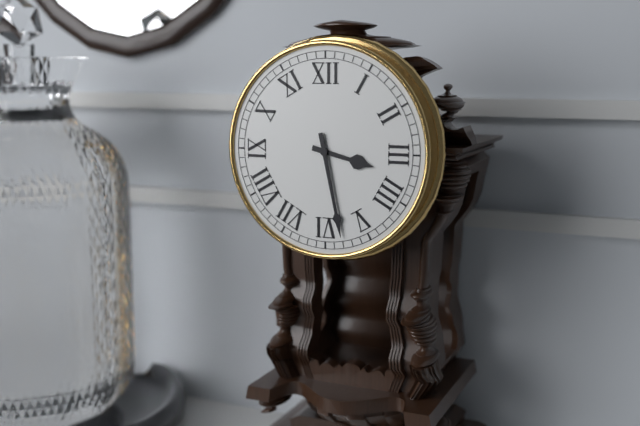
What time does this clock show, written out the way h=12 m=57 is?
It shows h=3 m=28
